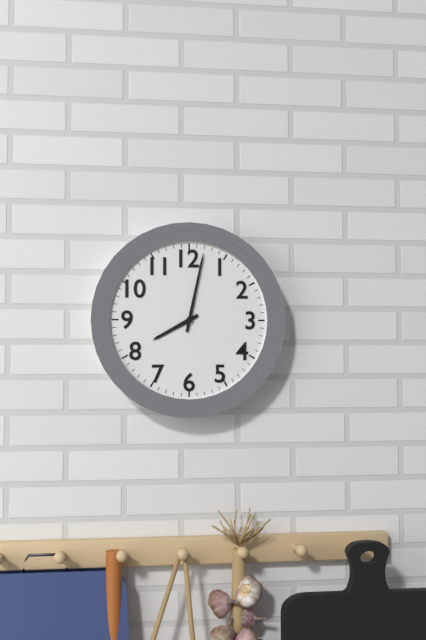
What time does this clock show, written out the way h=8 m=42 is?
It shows h=8 m=2
